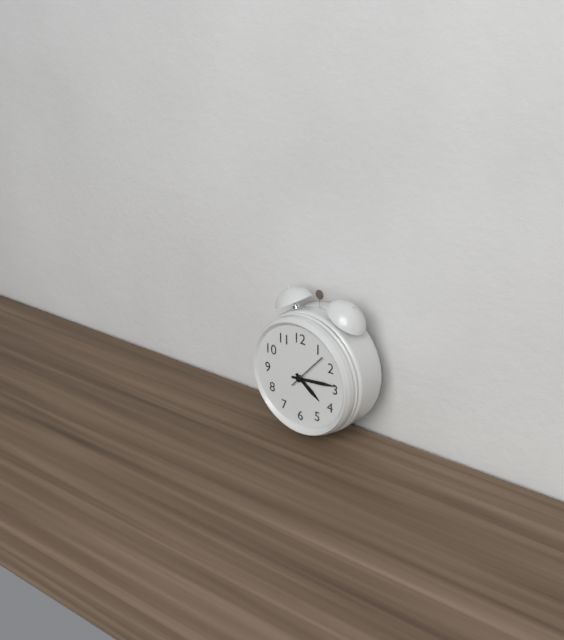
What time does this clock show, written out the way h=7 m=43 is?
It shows h=4 m=14
